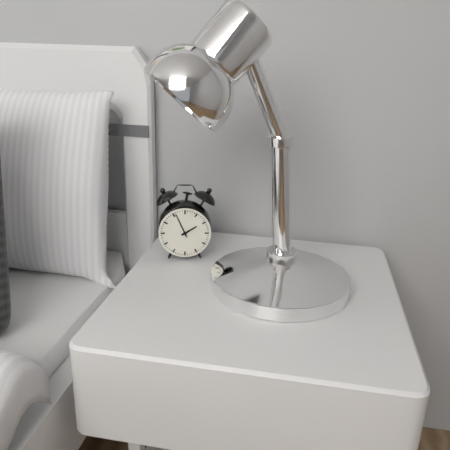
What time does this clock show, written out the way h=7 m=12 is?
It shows h=1 m=56
